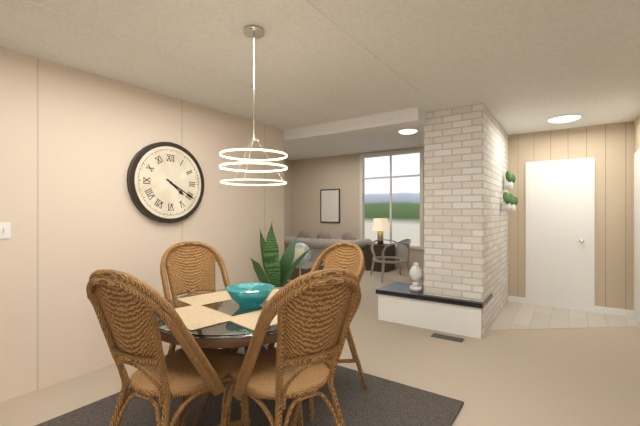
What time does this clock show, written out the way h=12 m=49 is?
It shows h=4 m=20
